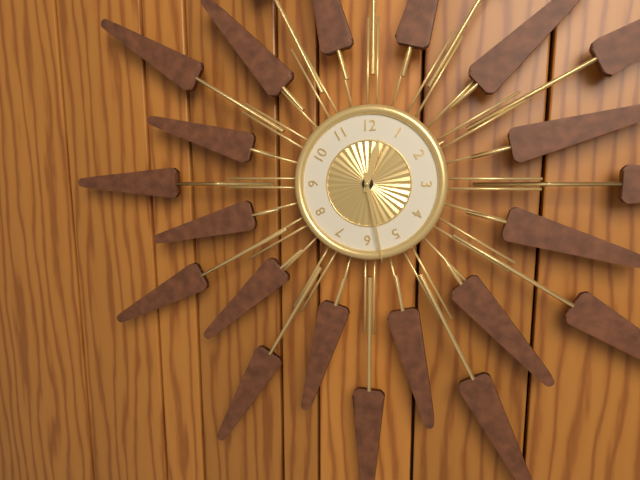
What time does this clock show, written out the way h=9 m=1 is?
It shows h=12 m=28
